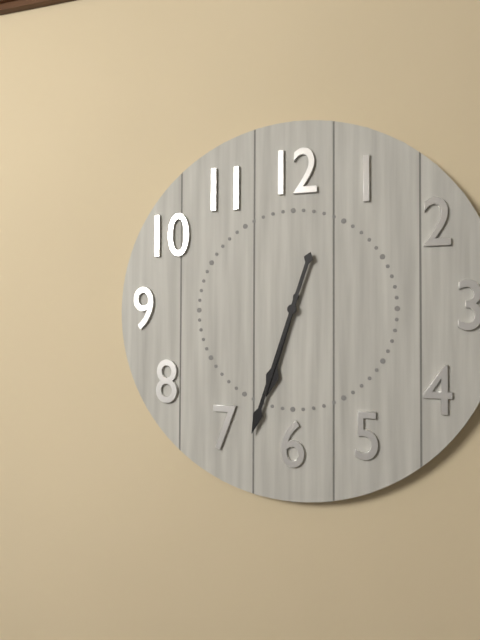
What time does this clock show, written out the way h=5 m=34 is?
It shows h=6 m=33
